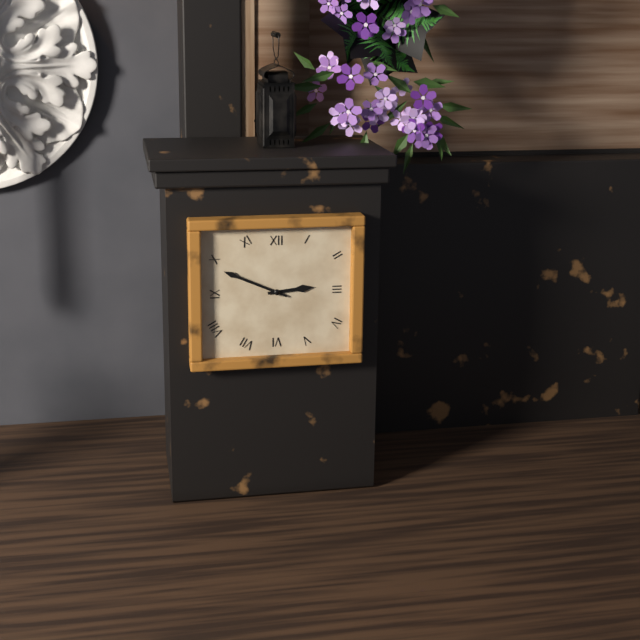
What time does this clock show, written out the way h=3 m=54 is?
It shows h=2 m=49
